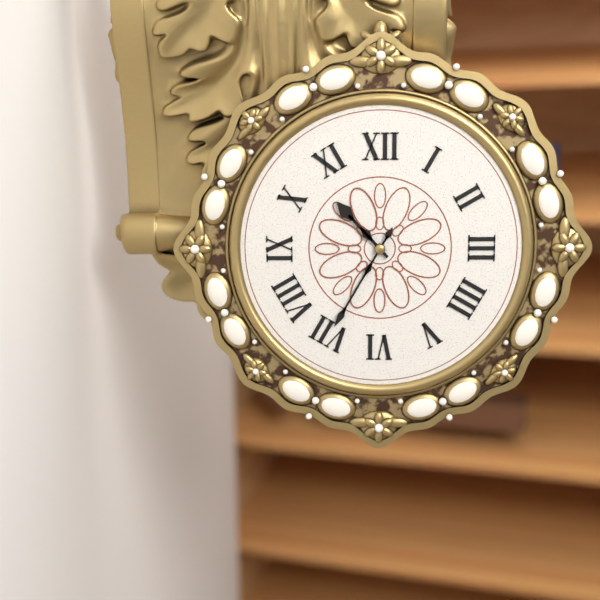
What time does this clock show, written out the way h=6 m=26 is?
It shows h=10 m=35
